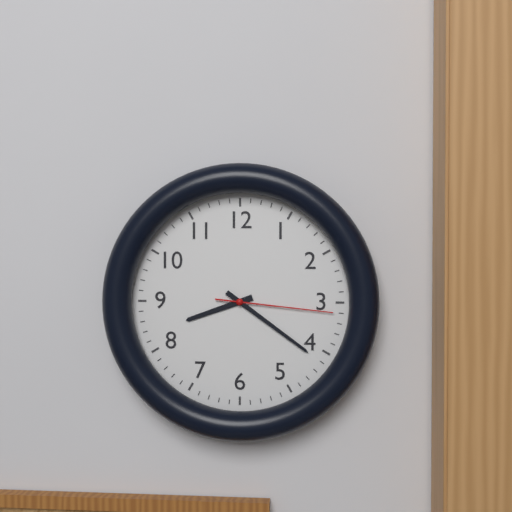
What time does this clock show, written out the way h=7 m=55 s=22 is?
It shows h=8 m=21 s=16
